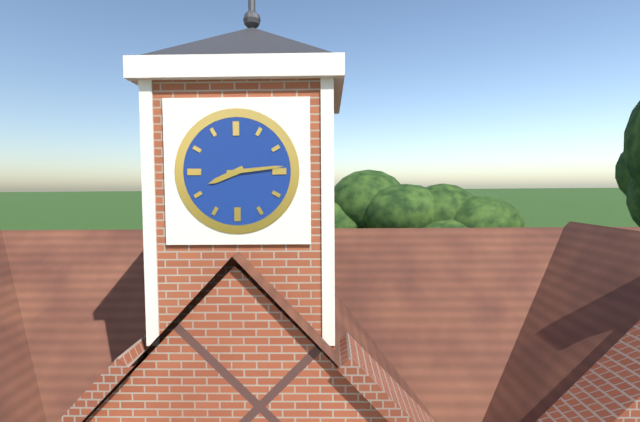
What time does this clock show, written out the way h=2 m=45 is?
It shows h=8 m=14
